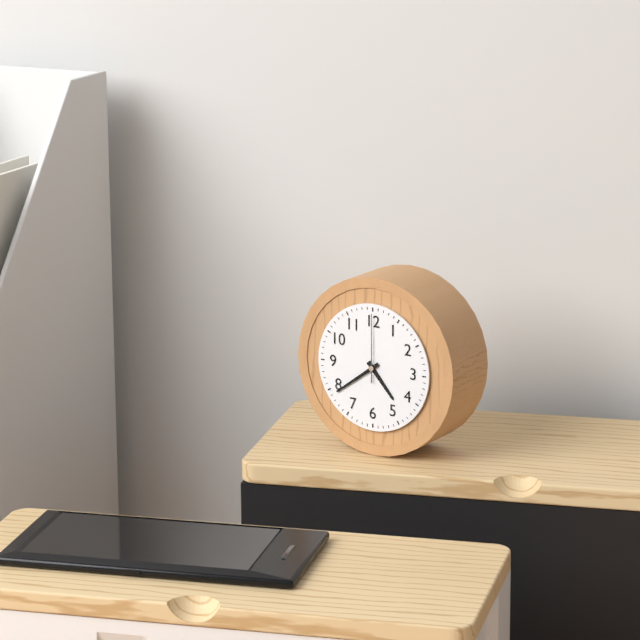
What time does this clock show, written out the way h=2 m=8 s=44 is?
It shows h=4 m=39 s=0
